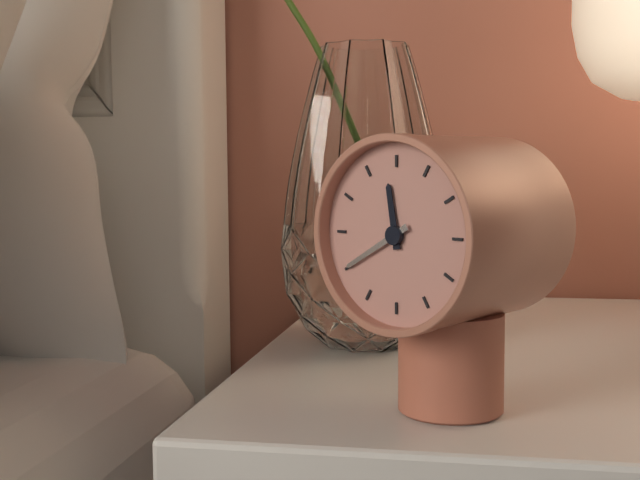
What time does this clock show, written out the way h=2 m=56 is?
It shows h=11 m=40
